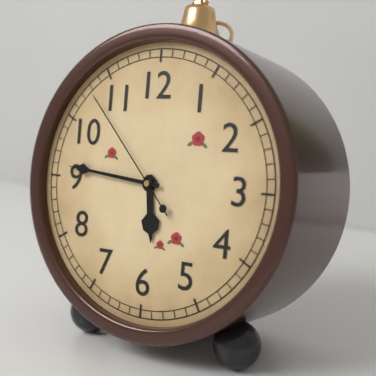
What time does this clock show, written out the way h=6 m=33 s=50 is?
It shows h=5 m=46 s=53
